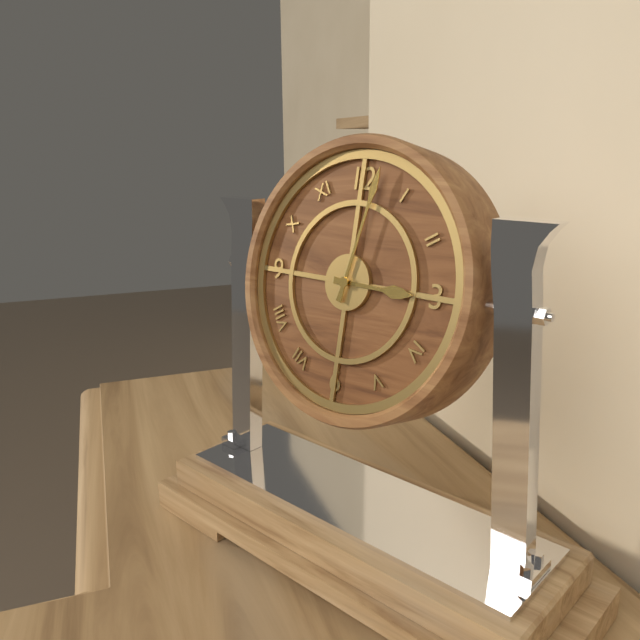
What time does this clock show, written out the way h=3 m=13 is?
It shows h=3 m=2
